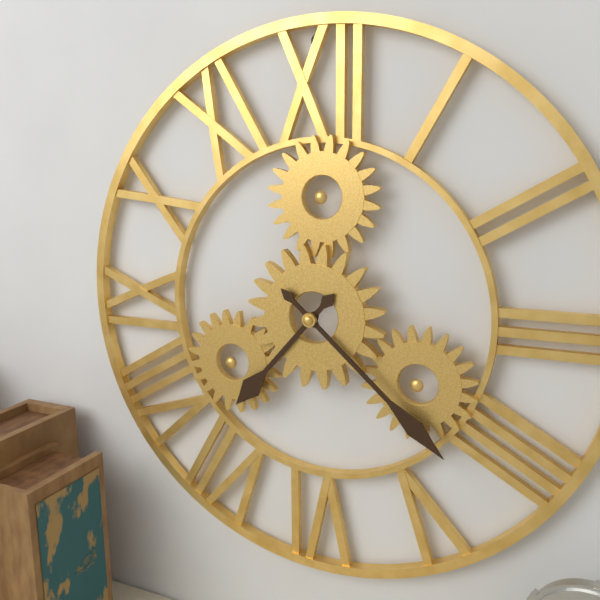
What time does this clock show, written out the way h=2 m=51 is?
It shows h=7 m=22
